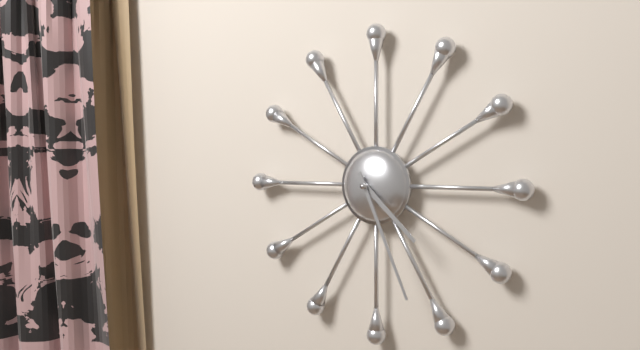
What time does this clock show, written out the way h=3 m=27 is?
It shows h=4 m=26
